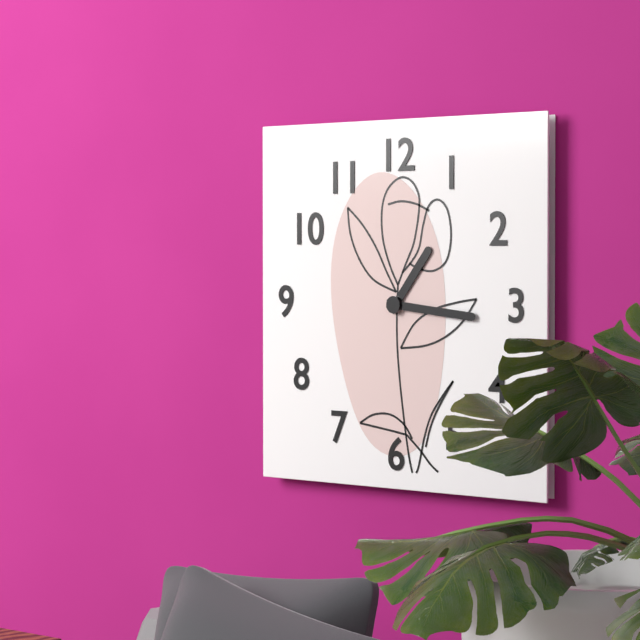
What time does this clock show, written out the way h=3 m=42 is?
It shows h=1 m=16
